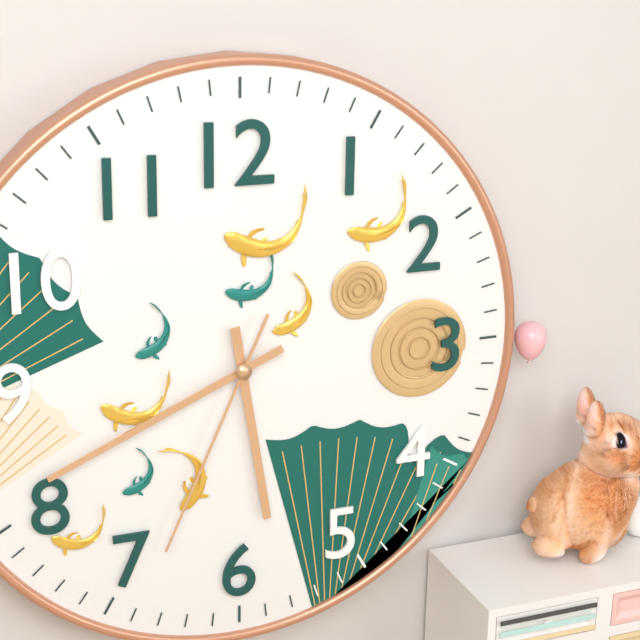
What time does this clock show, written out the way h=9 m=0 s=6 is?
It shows h=5 m=41 s=34
